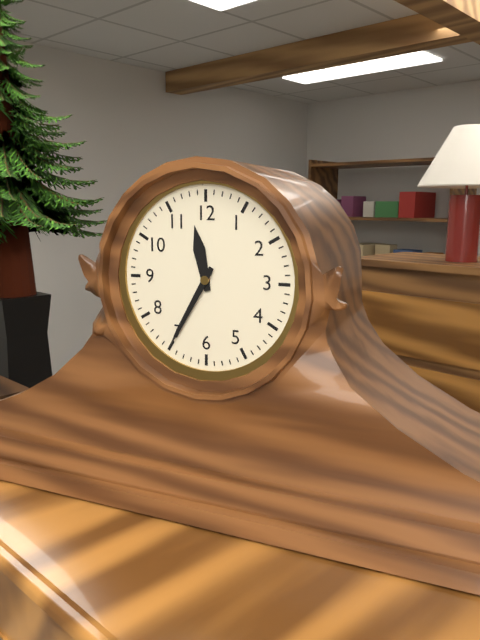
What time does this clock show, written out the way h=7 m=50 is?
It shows h=11 m=35
